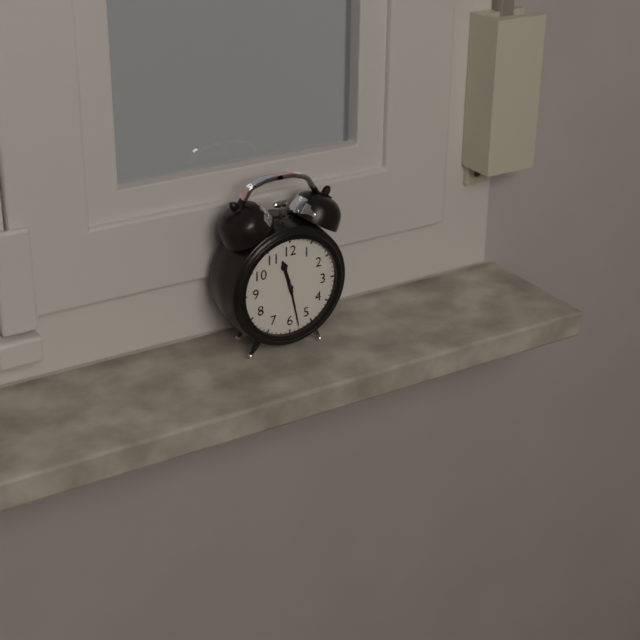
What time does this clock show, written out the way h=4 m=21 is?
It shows h=11 m=28
